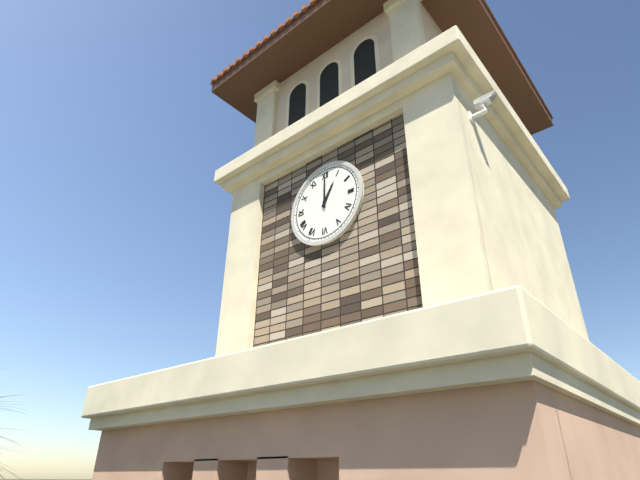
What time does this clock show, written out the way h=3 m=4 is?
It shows h=1 m=0
